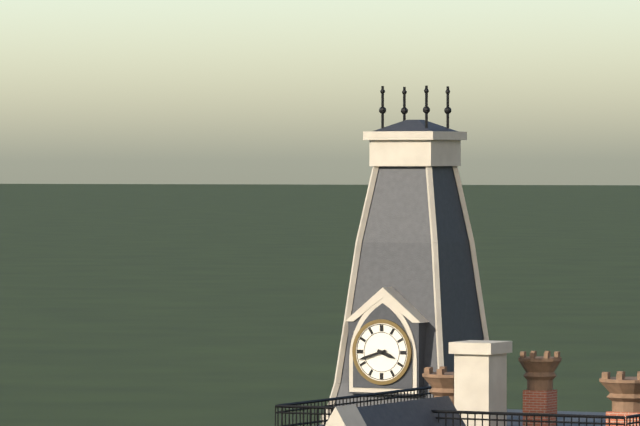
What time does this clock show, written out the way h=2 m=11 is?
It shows h=3 m=42
